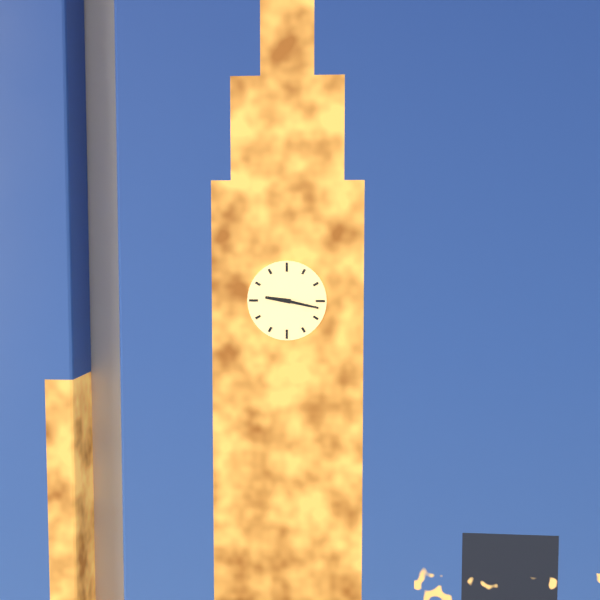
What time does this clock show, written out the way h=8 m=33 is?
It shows h=9 m=17
